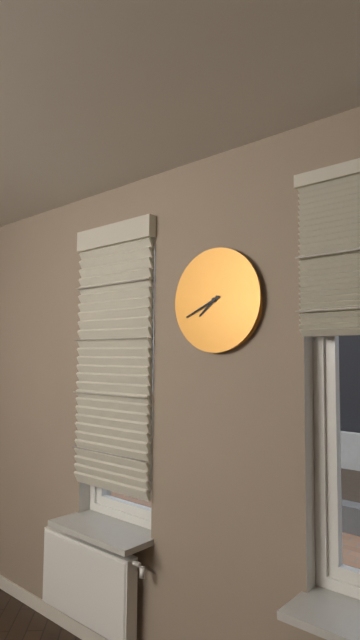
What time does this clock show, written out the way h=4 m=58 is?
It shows h=7 m=41
